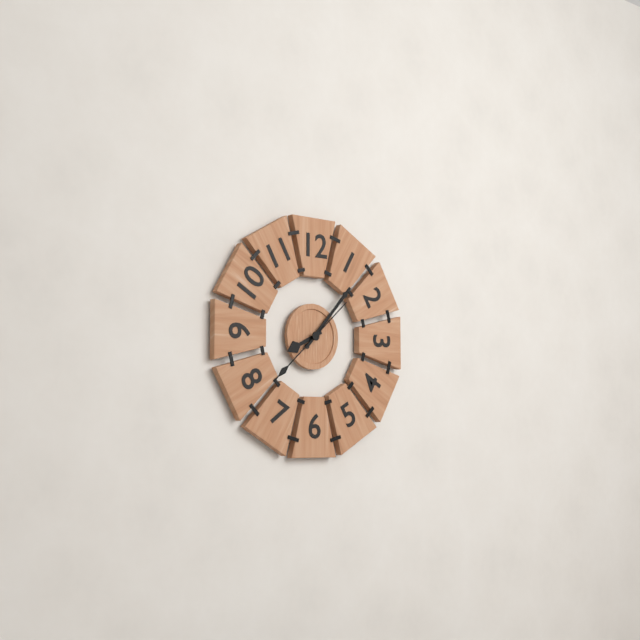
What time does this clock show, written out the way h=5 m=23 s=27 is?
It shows h=8 m=7 s=38
